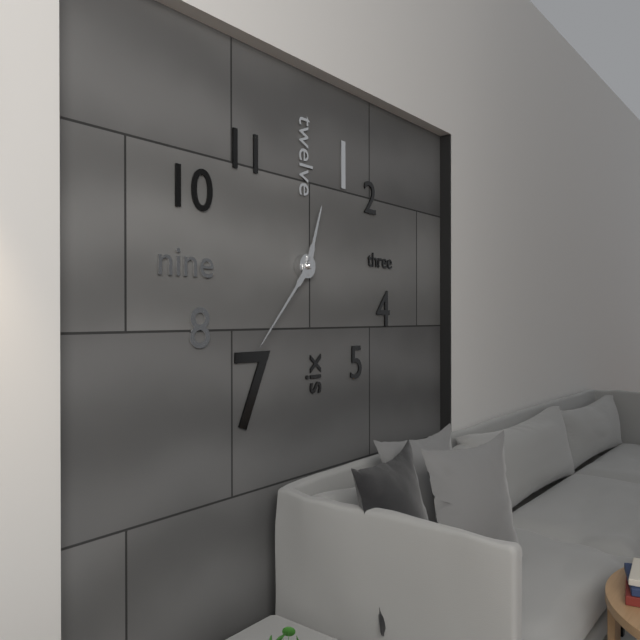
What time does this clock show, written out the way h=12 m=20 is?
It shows h=12 m=37
